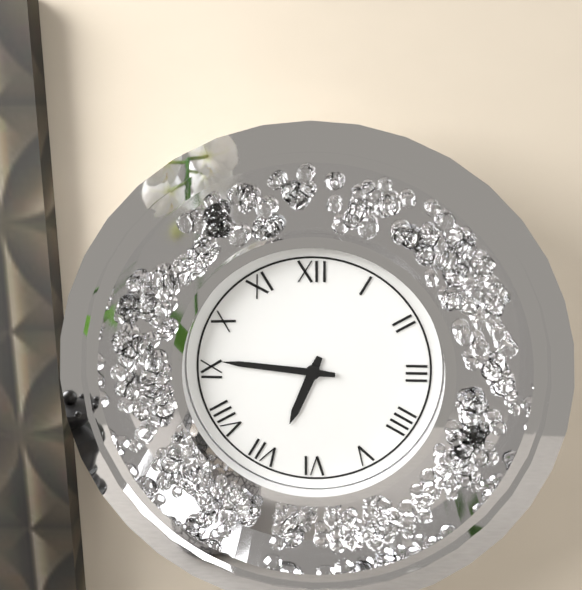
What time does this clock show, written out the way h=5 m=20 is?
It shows h=6 m=46
